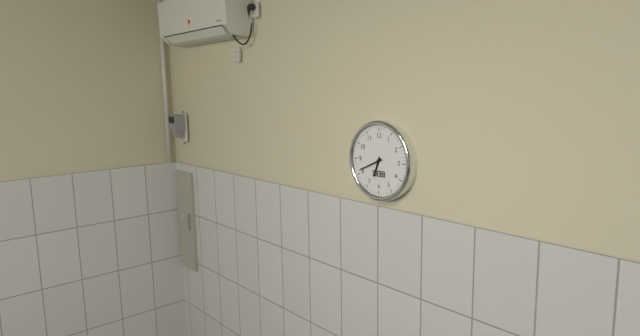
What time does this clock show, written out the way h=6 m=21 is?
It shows h=6 m=41
